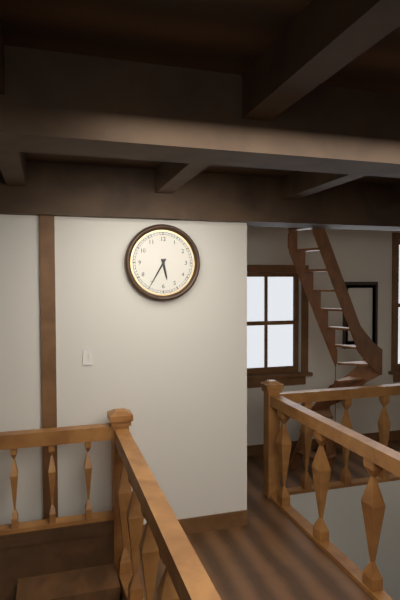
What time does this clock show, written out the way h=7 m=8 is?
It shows h=5 m=35
